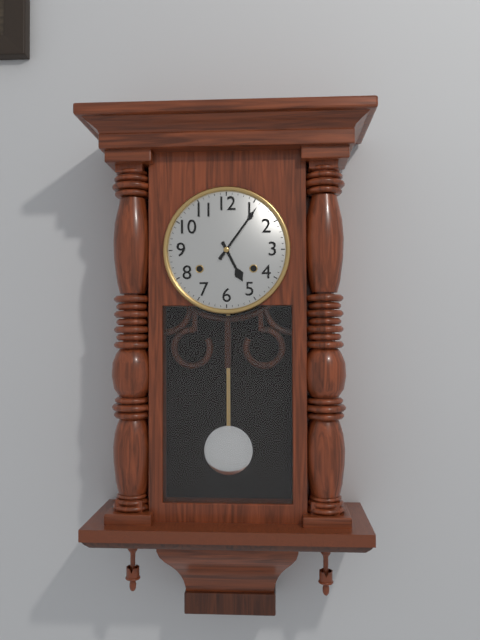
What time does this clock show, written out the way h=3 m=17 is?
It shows h=5 m=6
